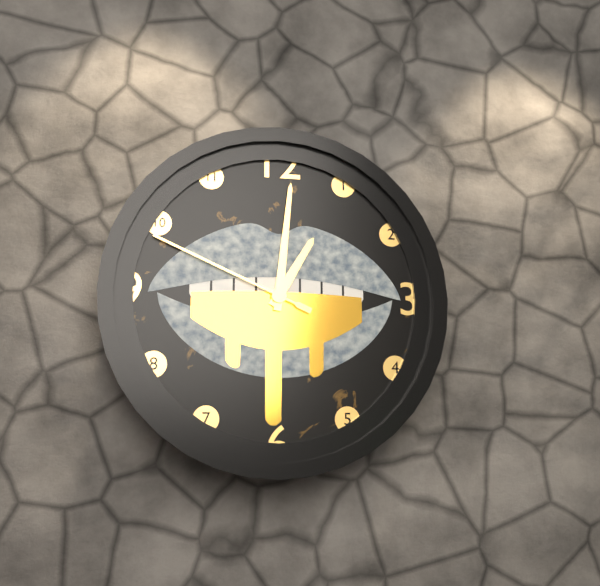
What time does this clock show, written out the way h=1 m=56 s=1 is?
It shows h=1 m=1 s=49
